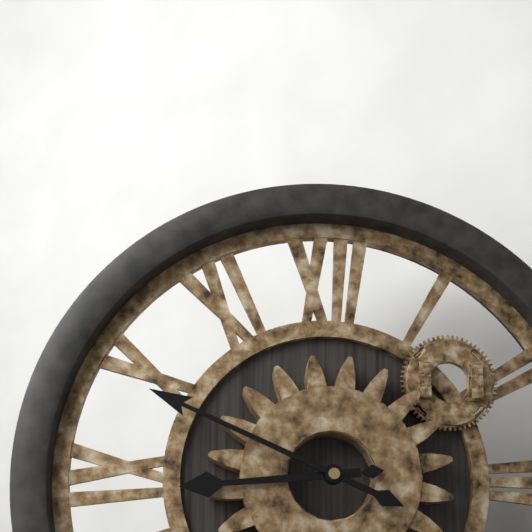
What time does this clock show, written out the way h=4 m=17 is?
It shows h=8 m=49
